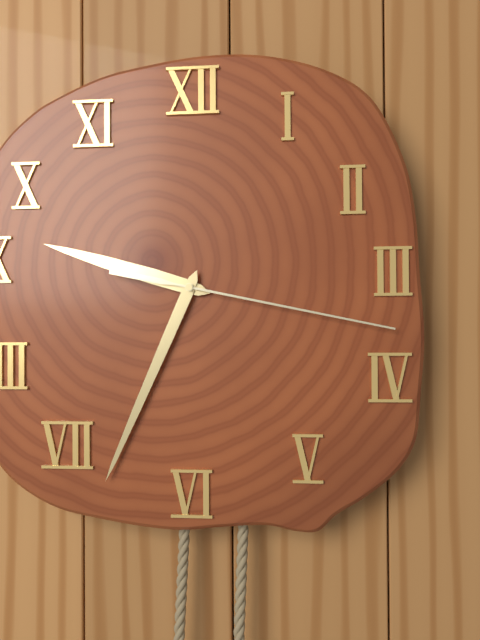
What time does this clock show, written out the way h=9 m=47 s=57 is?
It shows h=9 m=34 s=17
